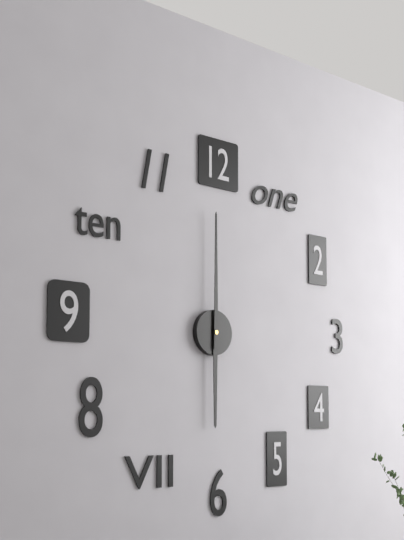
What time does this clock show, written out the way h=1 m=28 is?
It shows h=6 m=0
